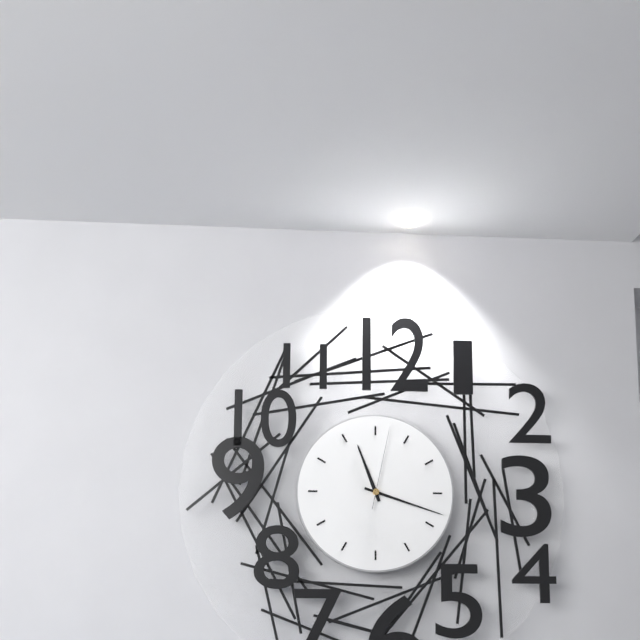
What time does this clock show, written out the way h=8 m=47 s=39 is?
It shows h=11 m=18 s=2
